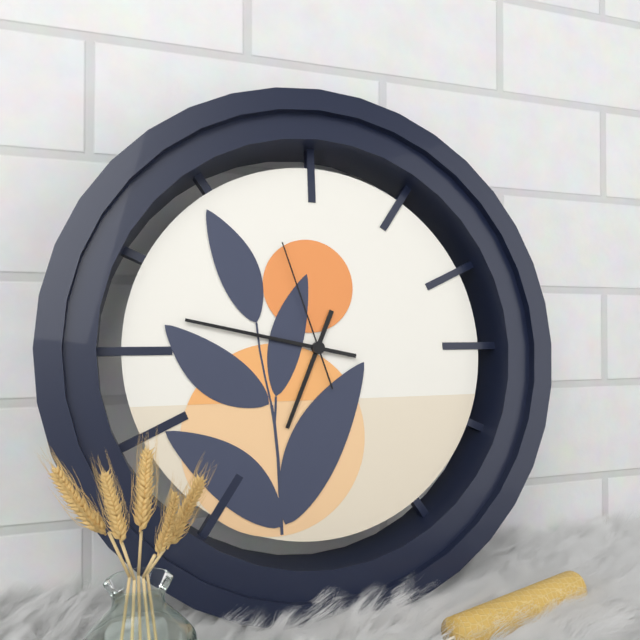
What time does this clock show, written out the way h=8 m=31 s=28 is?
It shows h=6 m=47 s=57
